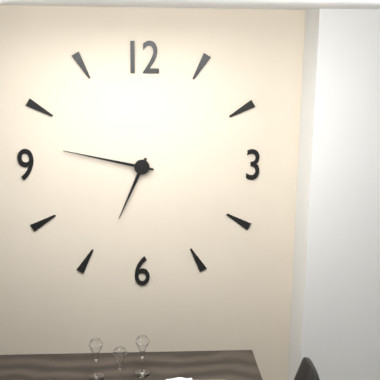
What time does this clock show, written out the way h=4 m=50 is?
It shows h=6 m=47
